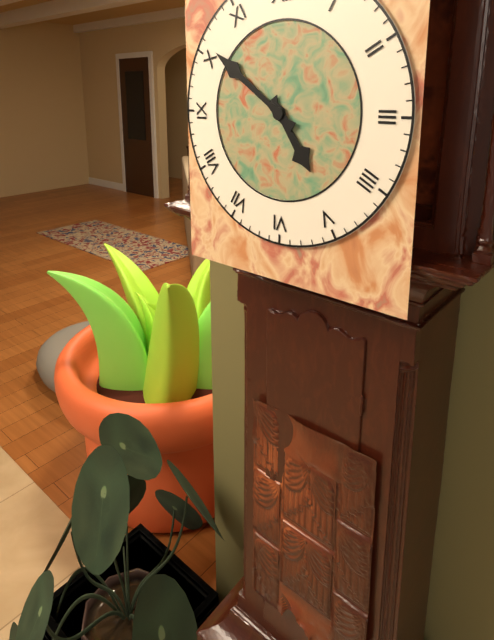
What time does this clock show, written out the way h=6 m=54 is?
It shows h=4 m=51
